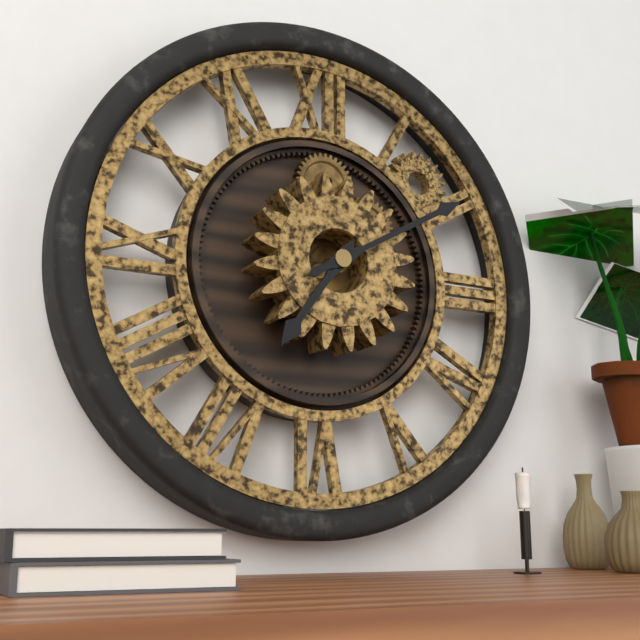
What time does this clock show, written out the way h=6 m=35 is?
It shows h=7 m=10
